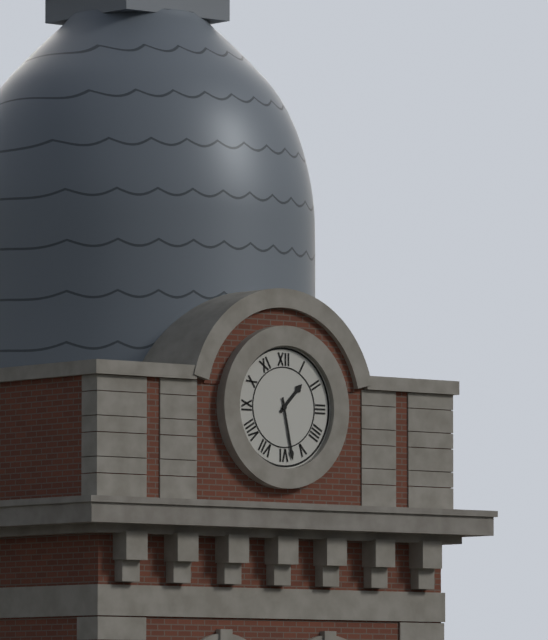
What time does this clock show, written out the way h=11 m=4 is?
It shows h=1 m=28
